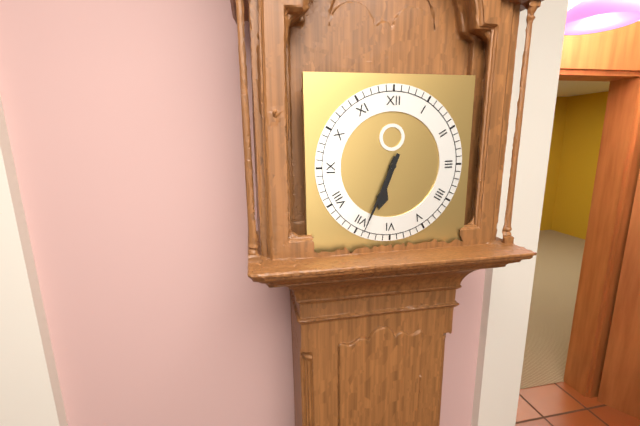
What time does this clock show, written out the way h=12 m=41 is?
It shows h=6 m=34
